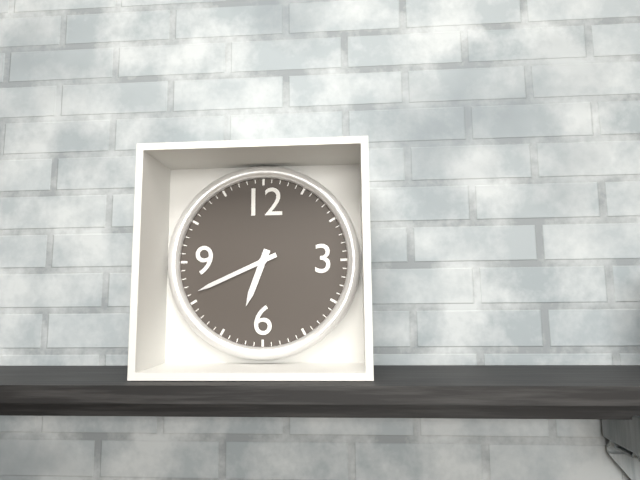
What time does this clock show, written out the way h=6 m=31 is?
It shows h=6 m=41
